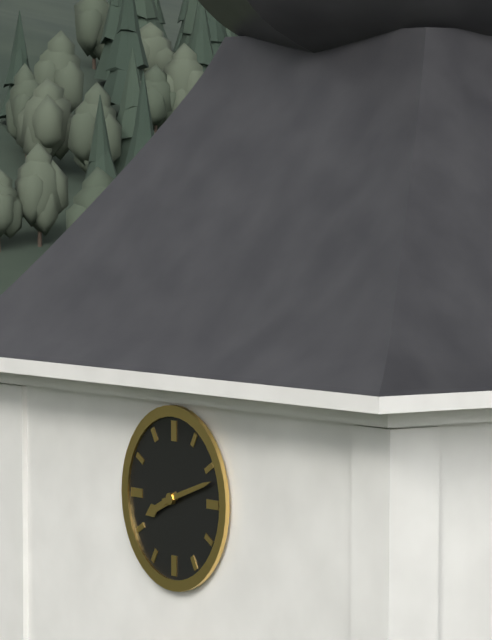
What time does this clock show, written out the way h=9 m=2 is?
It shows h=8 m=12
